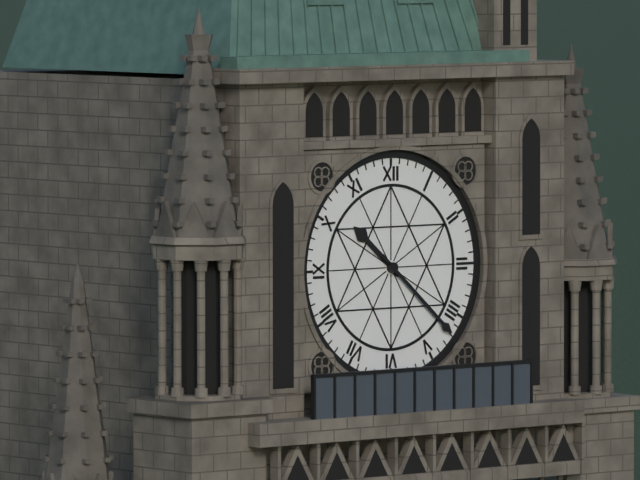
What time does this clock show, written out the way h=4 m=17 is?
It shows h=10 m=22
